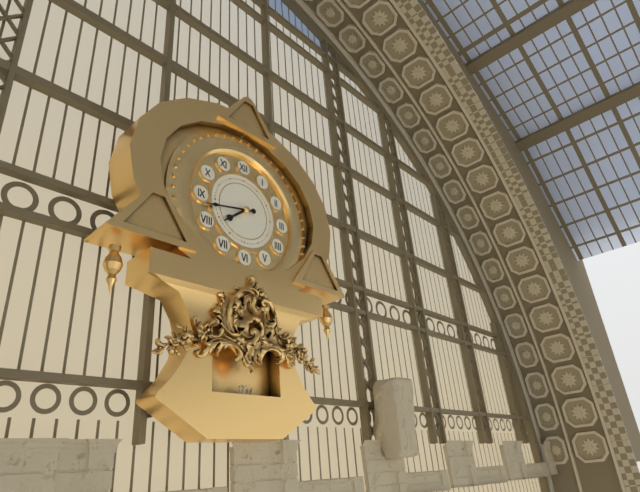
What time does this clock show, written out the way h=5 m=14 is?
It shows h=7 m=43
